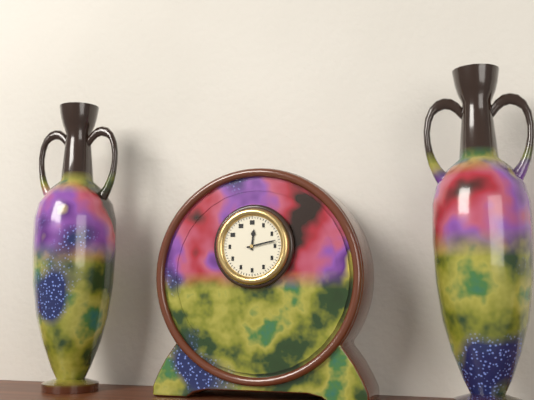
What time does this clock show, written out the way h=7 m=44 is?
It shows h=12 m=13
